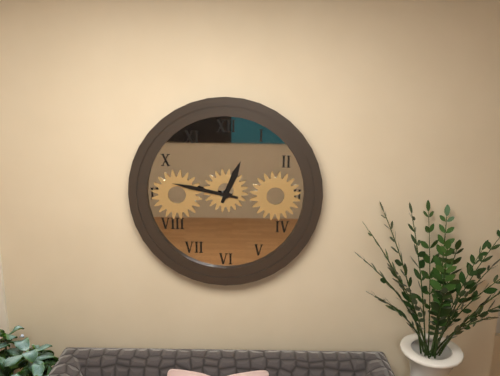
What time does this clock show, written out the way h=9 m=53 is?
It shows h=12 m=47
